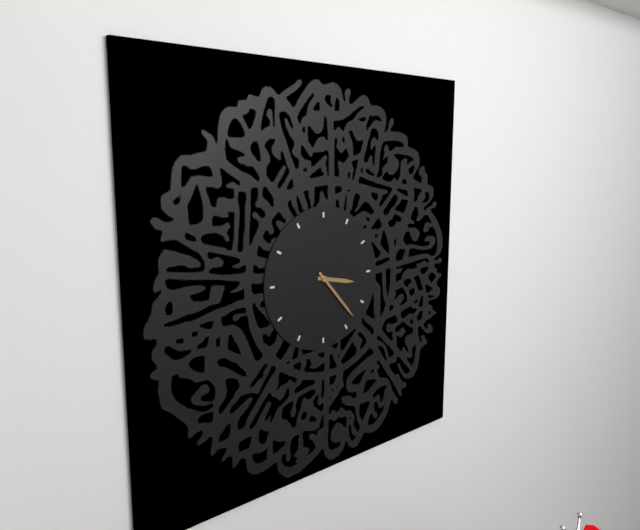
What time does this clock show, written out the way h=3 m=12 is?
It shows h=3 m=23
